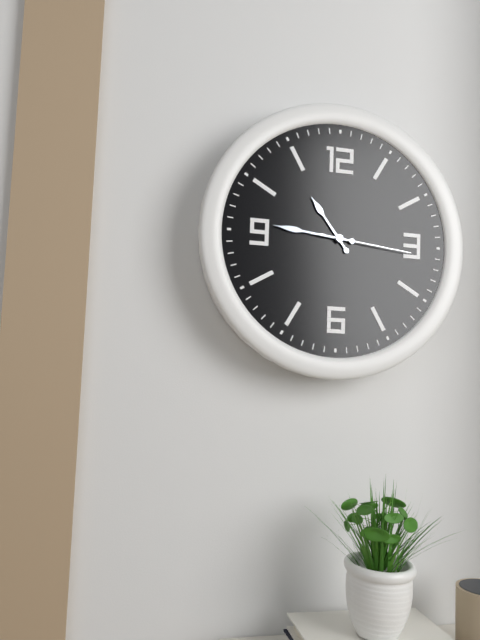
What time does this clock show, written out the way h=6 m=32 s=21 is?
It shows h=10 m=46 s=16
